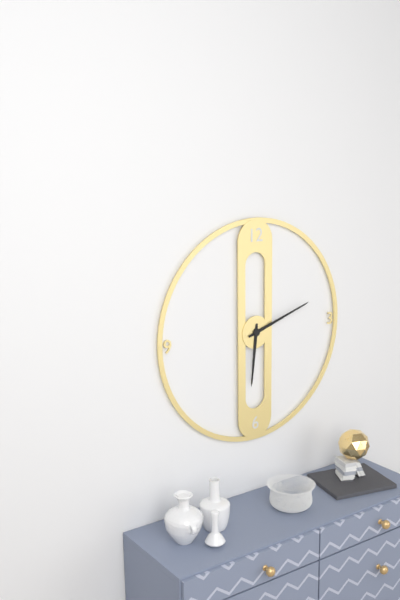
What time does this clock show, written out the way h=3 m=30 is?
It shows h=6 m=12
